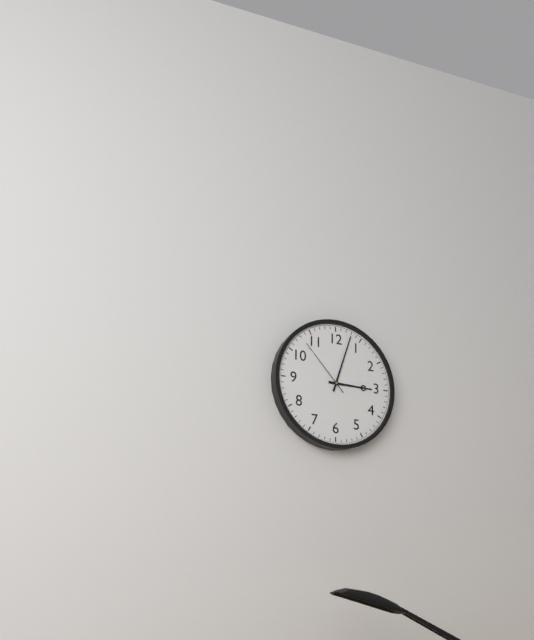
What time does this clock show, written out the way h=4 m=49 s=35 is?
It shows h=3 m=3 s=53
